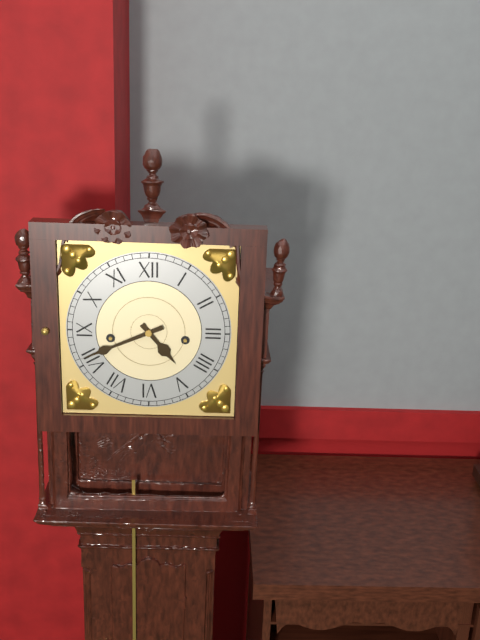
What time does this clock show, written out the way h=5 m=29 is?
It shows h=4 m=41
